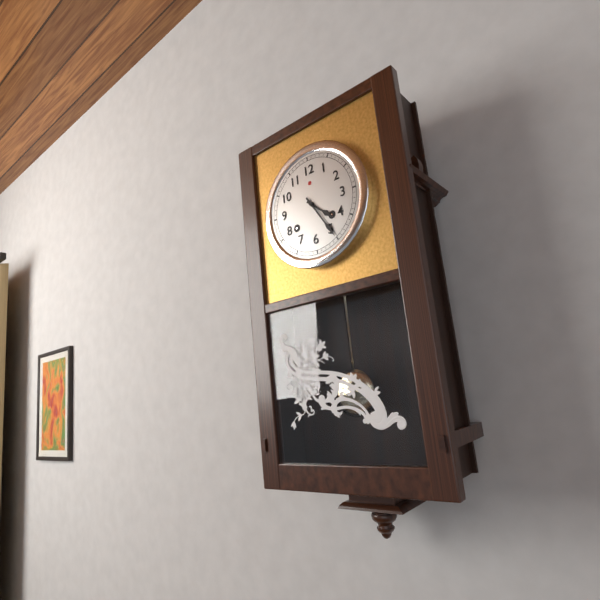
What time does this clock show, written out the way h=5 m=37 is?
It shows h=4 m=25
